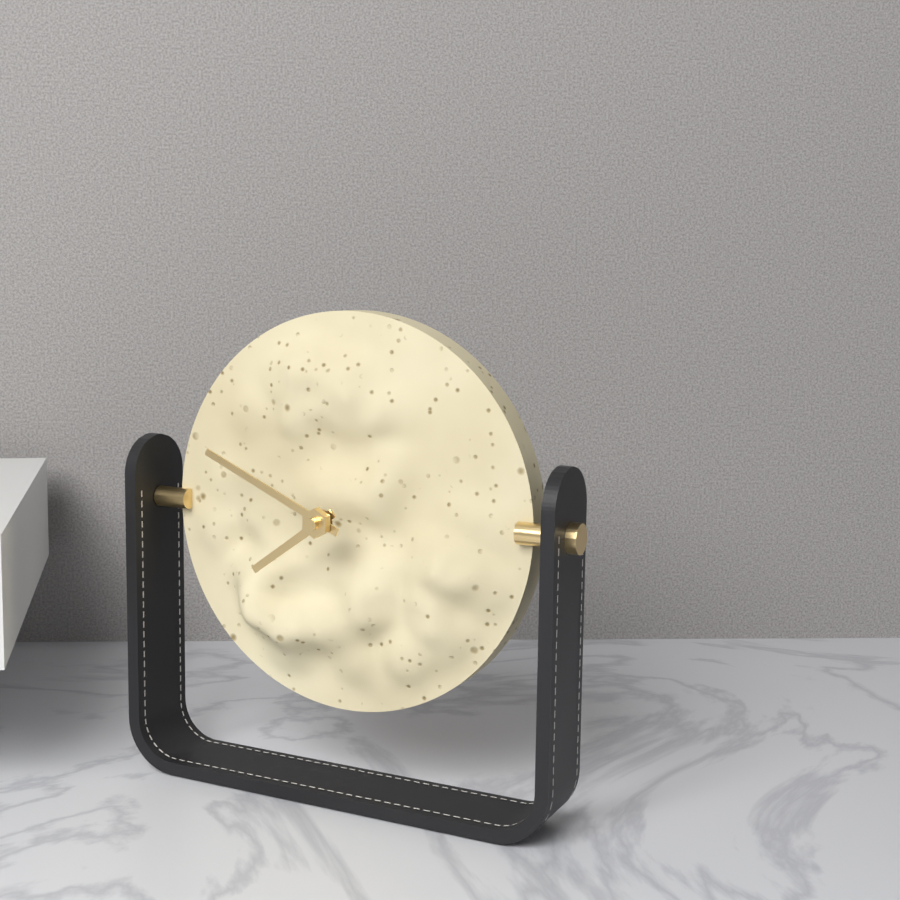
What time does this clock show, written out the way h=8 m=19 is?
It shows h=7 m=49
